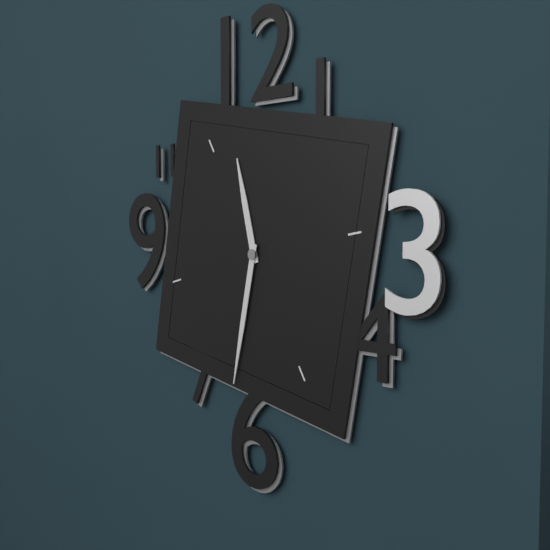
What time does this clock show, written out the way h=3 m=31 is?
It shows h=11 m=32
